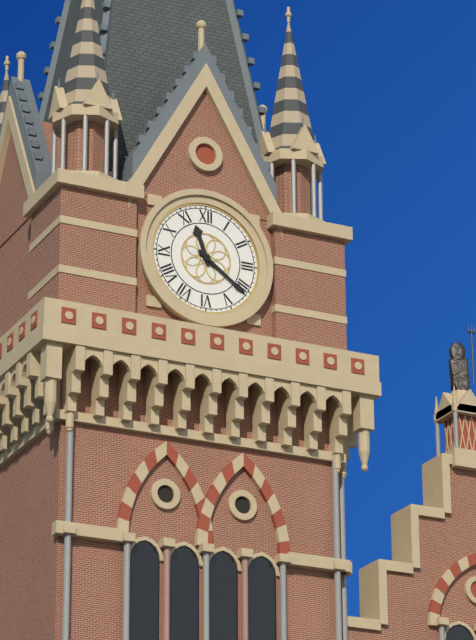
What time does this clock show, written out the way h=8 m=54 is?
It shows h=11 m=21
